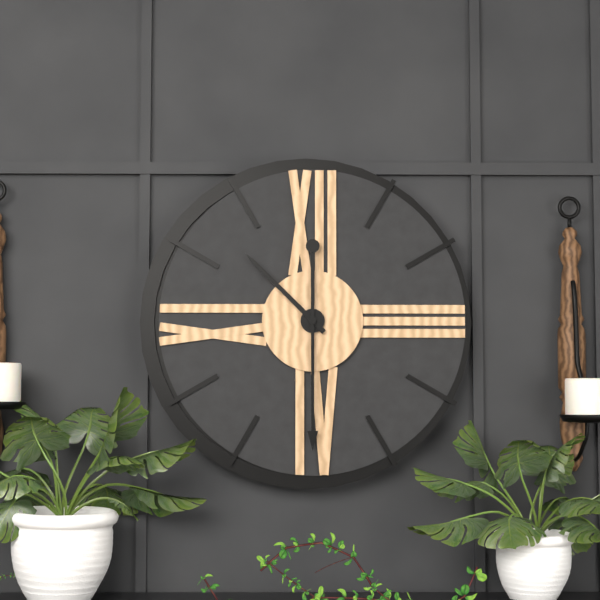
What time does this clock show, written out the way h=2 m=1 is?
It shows h=10 m=30
